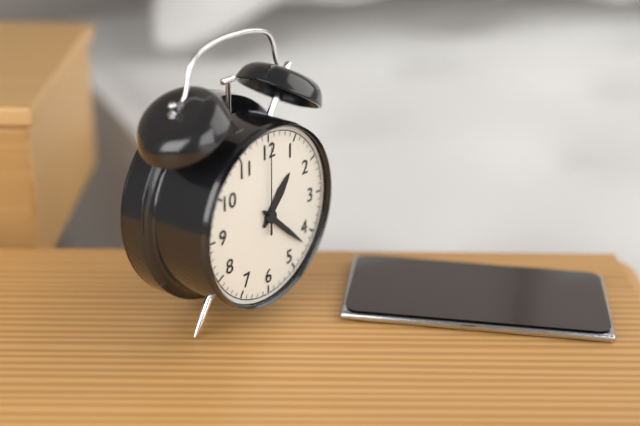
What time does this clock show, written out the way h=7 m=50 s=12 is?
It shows h=1 m=22 s=0
